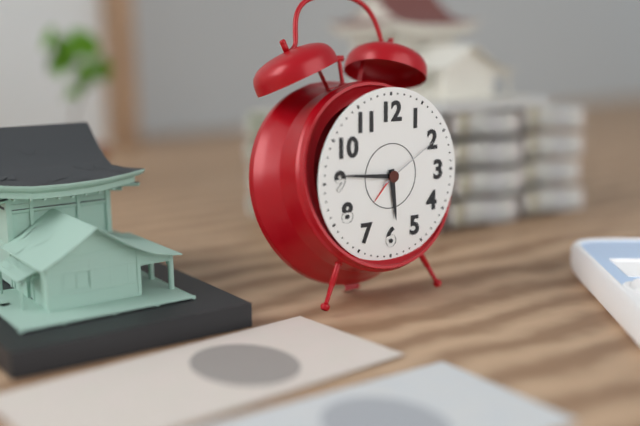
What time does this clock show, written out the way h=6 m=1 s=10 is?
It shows h=5 m=46 s=10
